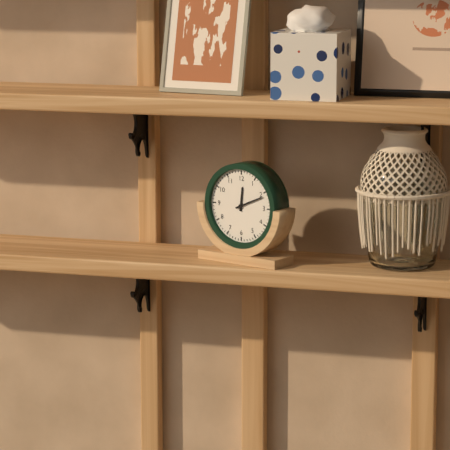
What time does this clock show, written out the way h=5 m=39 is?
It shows h=12 m=11
